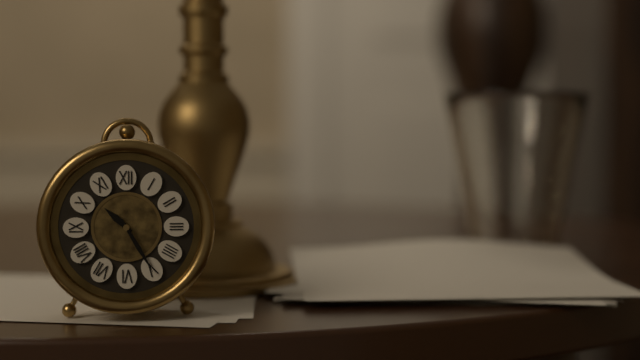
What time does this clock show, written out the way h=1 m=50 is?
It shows h=10 m=25
